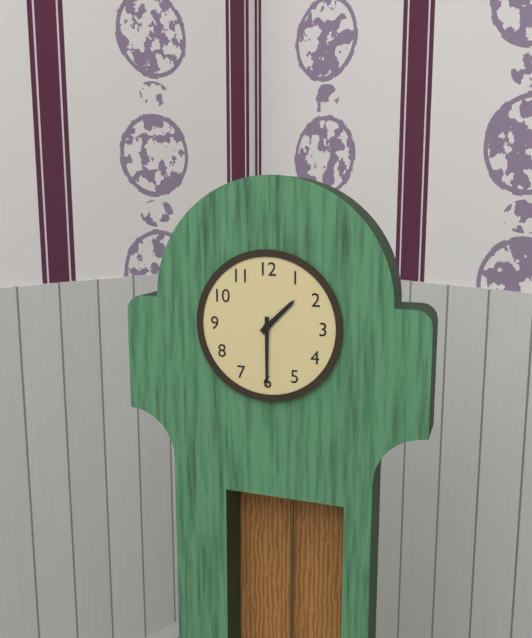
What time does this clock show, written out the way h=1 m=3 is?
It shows h=1 m=30
